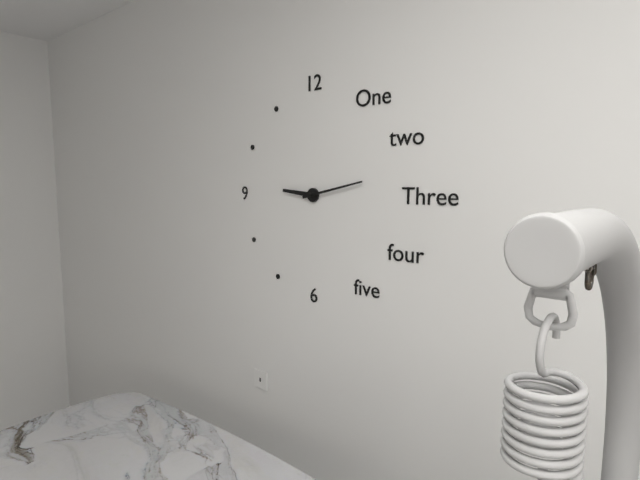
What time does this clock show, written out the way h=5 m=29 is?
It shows h=9 m=13
